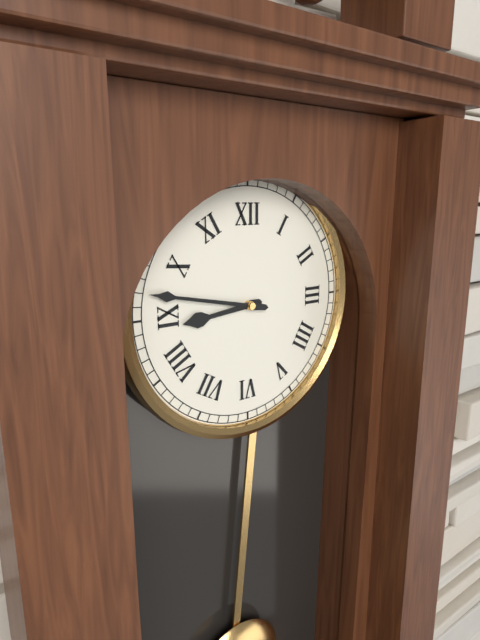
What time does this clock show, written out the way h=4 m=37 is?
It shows h=8 m=47
